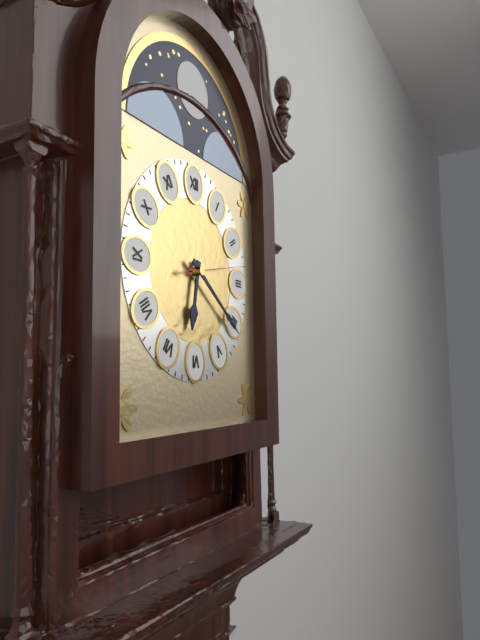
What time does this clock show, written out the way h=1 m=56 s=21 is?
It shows h=6 m=21 s=13
